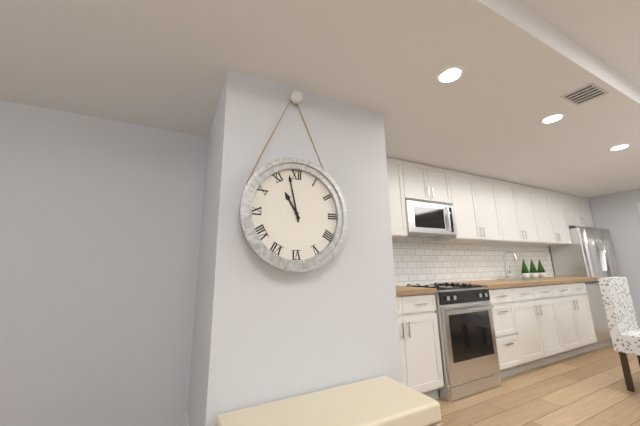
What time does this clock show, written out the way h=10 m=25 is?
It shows h=10 m=58
